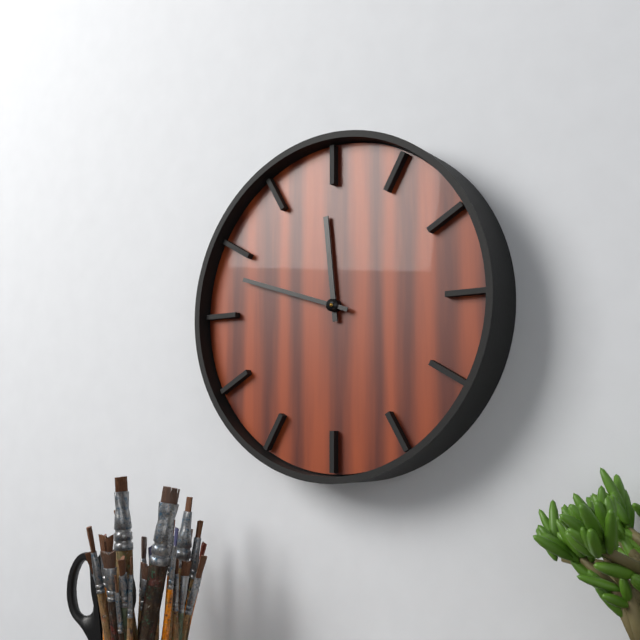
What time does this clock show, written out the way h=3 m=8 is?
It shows h=11 m=48
